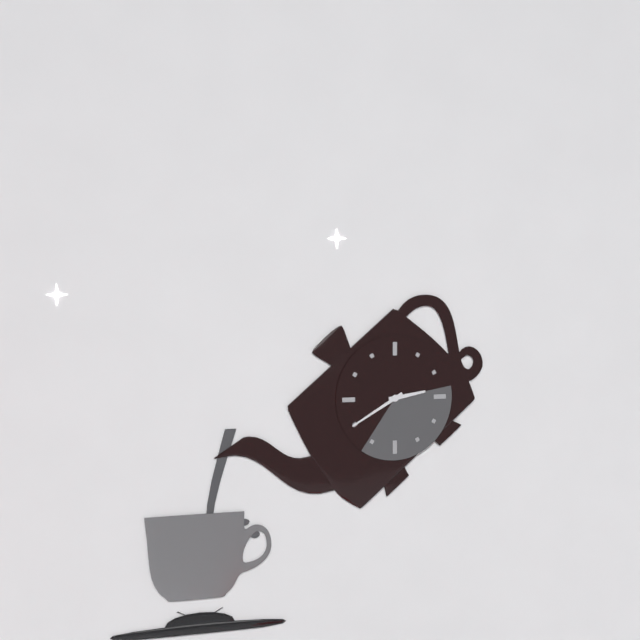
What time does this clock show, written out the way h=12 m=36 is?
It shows h=2 m=40
